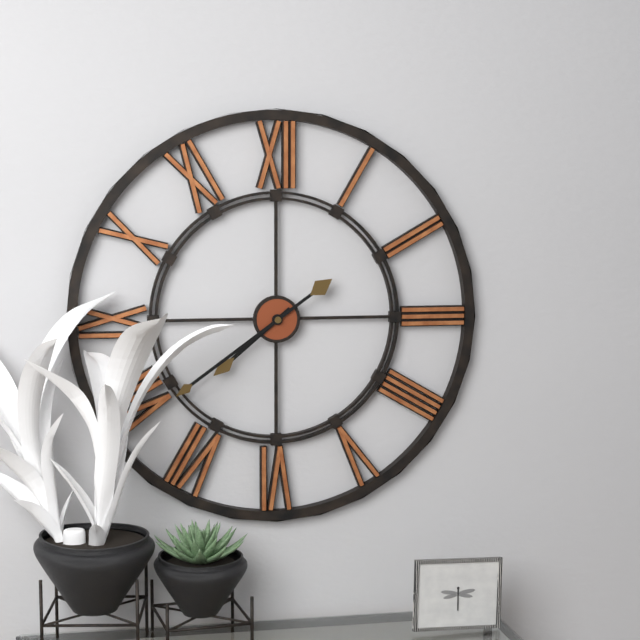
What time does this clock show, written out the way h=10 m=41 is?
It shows h=7 m=39
